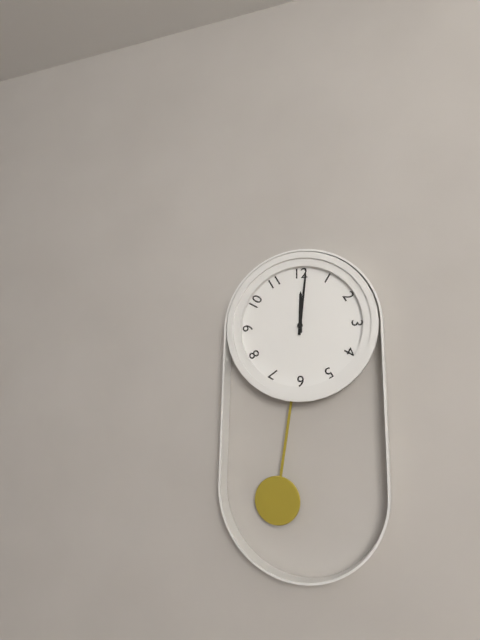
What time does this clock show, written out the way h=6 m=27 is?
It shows h=12 m=1
